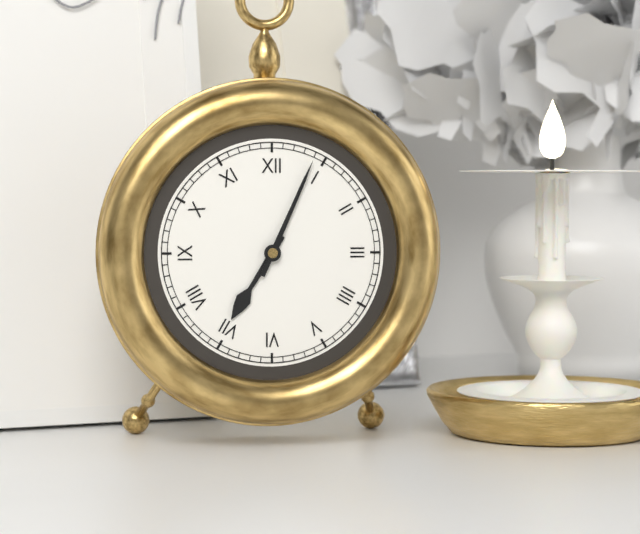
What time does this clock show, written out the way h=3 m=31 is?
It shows h=7 m=4
